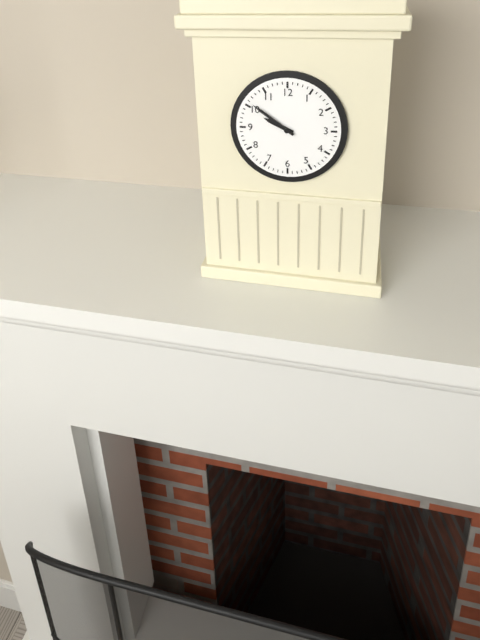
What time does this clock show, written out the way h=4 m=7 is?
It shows h=9 m=51
